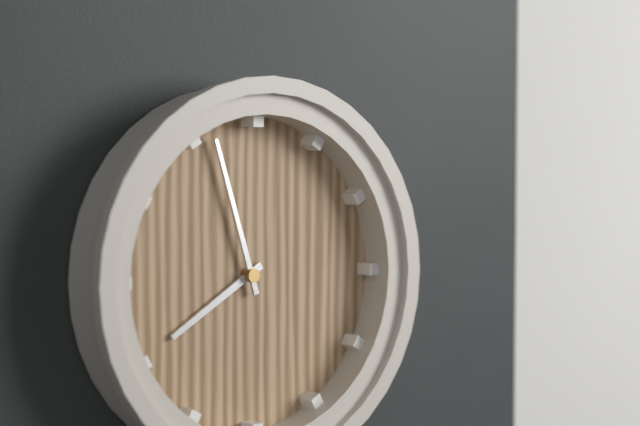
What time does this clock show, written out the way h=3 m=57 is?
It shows h=7 m=57
